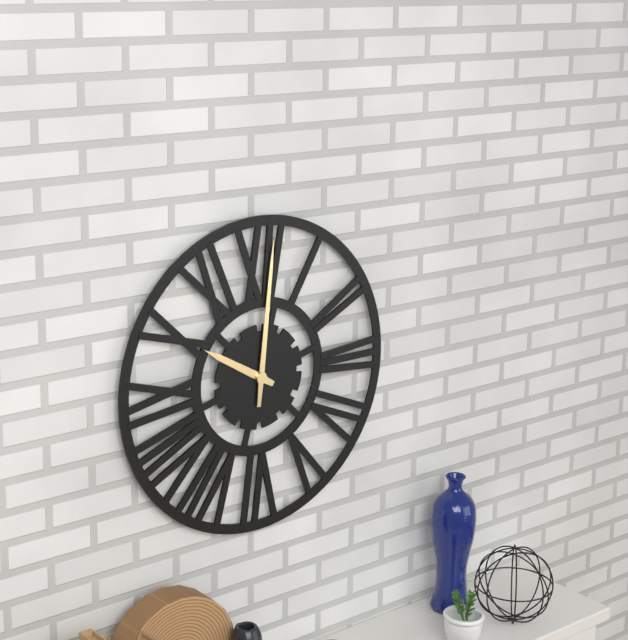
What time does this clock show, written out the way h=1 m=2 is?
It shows h=10 m=1
